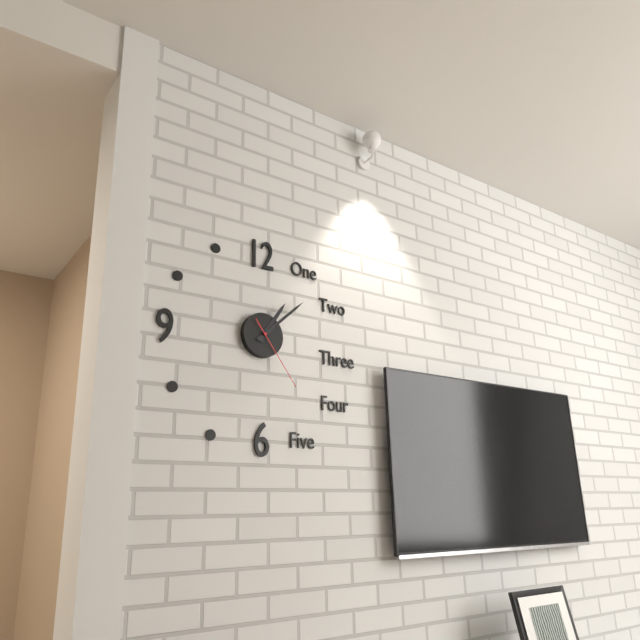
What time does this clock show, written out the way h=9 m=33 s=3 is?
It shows h=1 m=8 s=24
